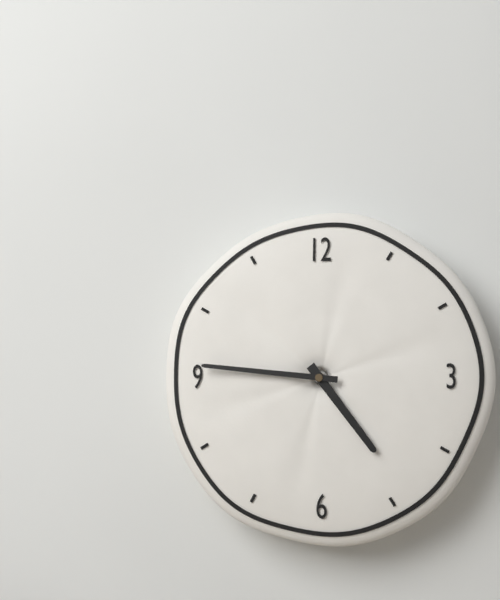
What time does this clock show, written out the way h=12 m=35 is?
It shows h=4 m=46
